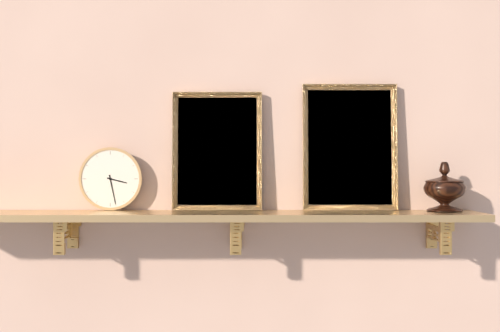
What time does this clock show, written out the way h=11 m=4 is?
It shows h=3 m=28
